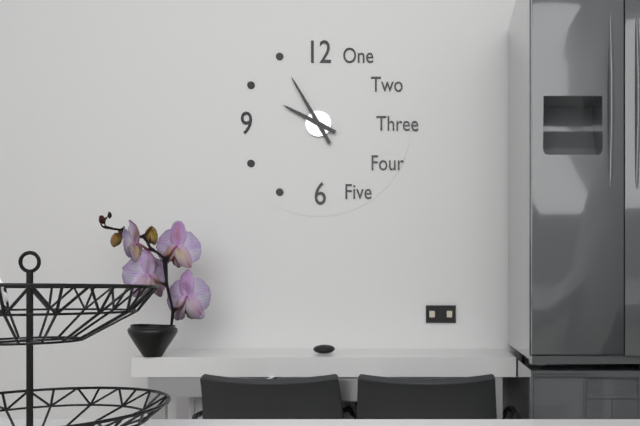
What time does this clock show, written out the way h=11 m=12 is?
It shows h=9 m=55
